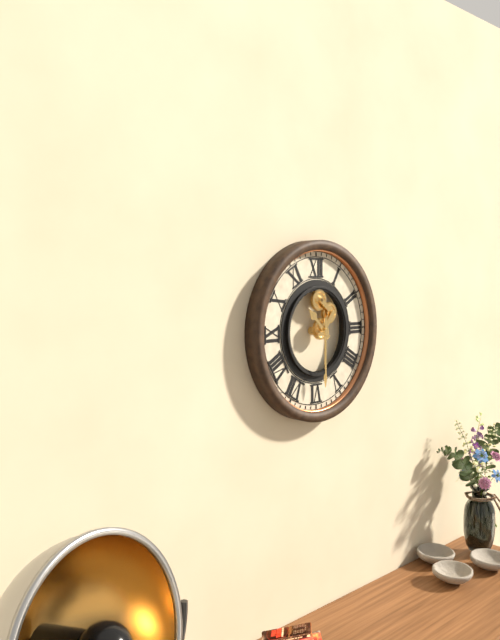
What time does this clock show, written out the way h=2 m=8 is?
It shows h=10 m=30
